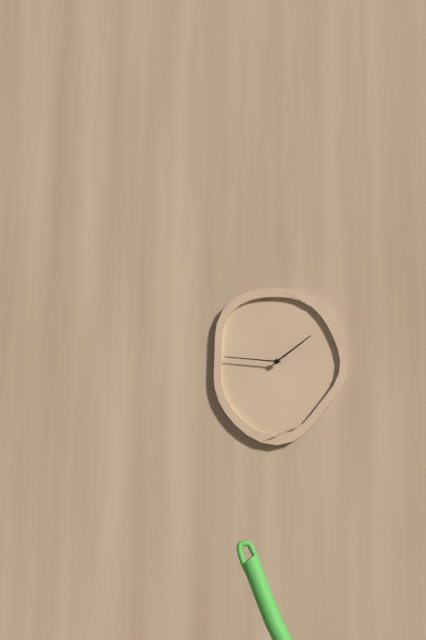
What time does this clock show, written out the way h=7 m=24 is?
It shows h=1 m=46
